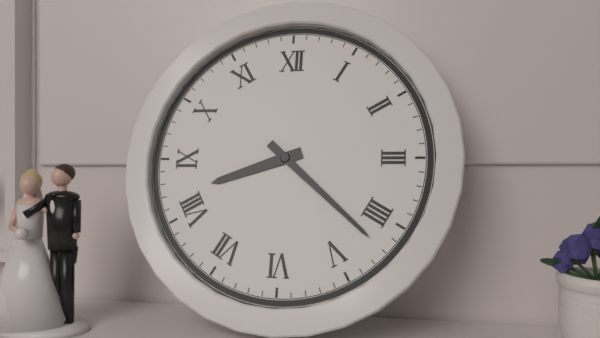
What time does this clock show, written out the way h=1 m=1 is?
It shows h=8 m=22
